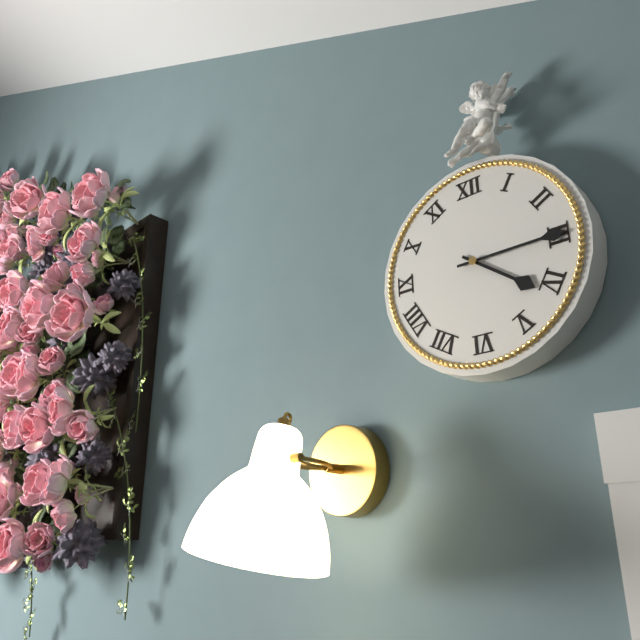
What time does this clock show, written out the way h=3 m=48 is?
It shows h=4 m=15
